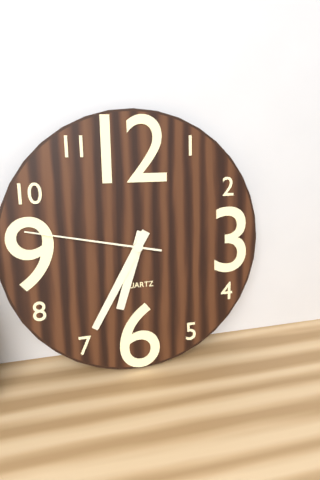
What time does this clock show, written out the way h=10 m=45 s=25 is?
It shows h=6 m=35 s=47
